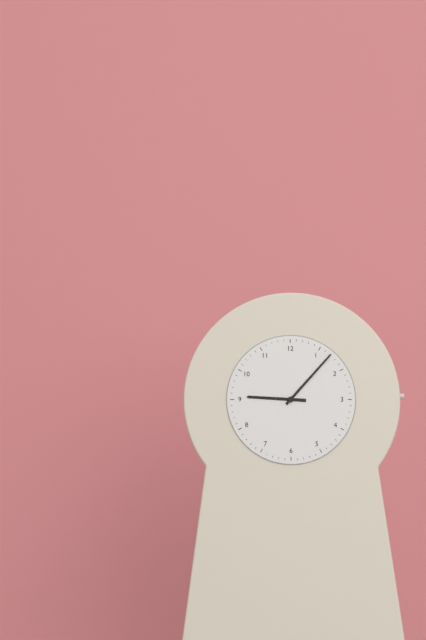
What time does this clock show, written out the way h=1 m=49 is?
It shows h=9 m=7
